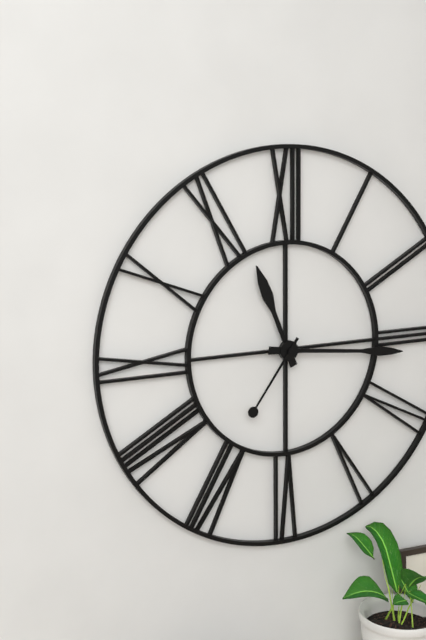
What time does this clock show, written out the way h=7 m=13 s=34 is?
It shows h=11 m=16 s=36
